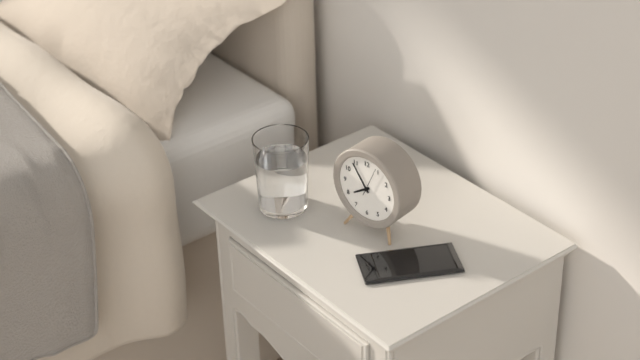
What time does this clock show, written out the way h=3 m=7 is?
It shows h=7 m=54
